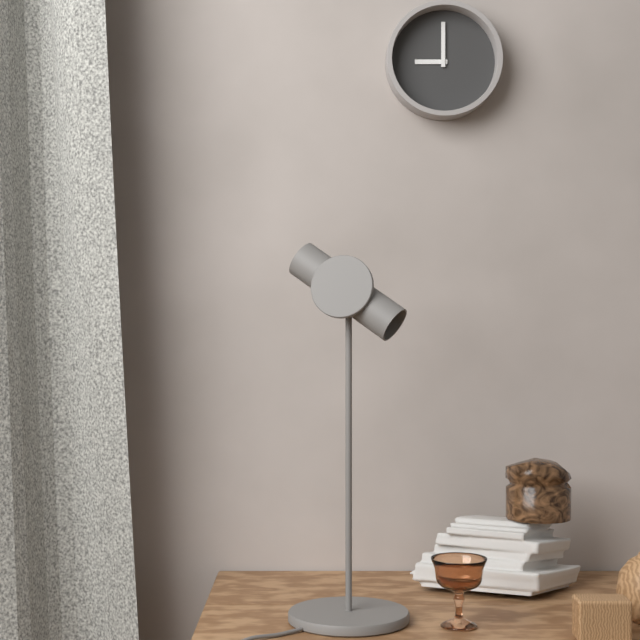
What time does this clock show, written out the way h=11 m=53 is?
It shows h=9 m=0
